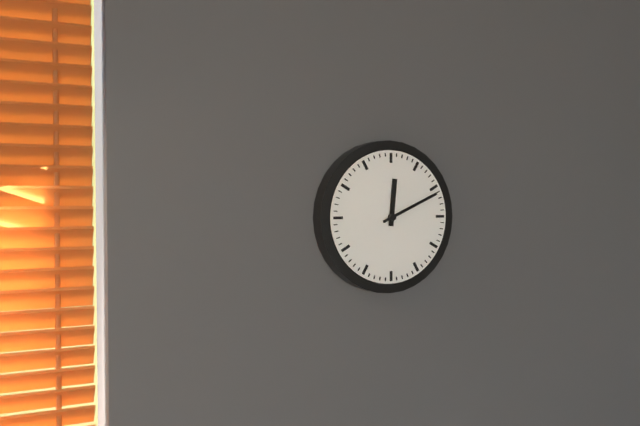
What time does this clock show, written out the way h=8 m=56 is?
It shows h=12 m=11
